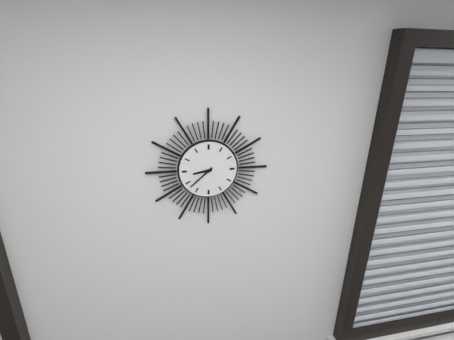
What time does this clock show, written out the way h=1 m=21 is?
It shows h=8 m=38
